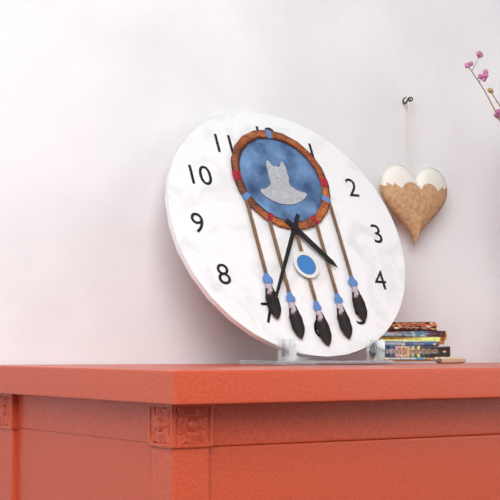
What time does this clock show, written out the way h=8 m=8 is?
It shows h=4 m=35
